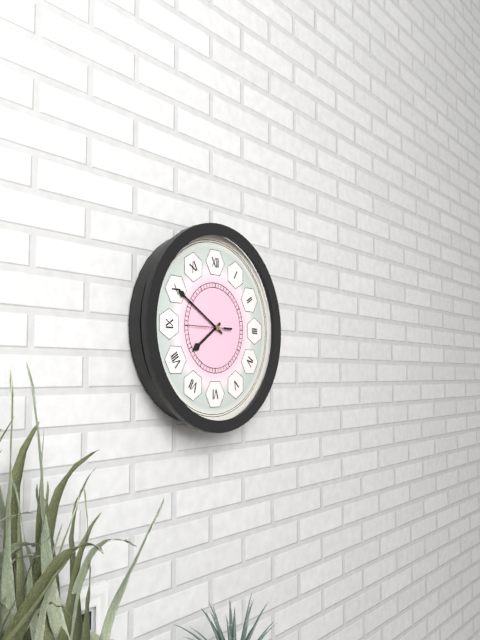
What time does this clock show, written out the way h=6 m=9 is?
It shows h=7 m=50
